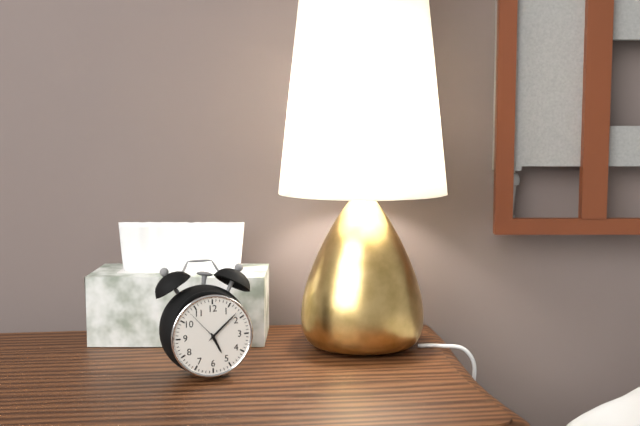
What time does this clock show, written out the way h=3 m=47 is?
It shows h=5 m=8
